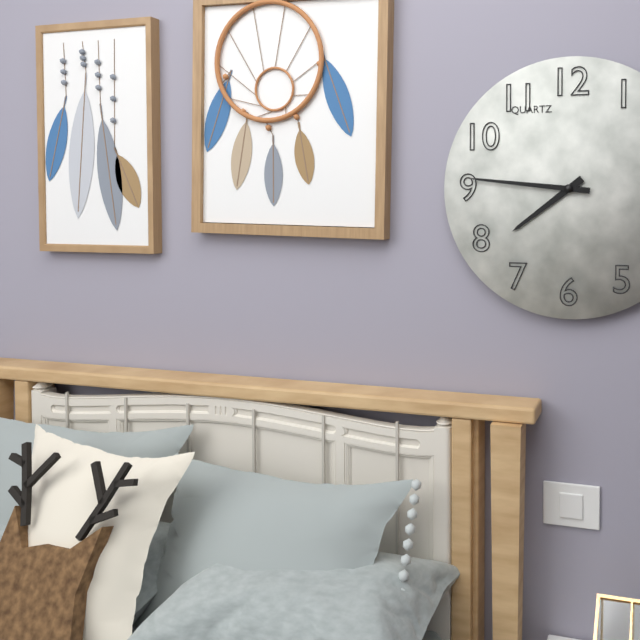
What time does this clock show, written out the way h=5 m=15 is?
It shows h=7 m=46
